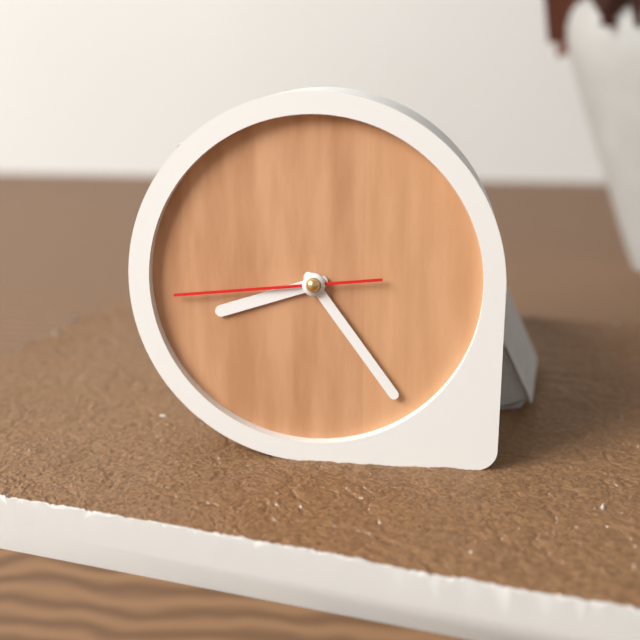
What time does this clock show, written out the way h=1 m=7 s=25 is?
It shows h=8 m=24 s=44
